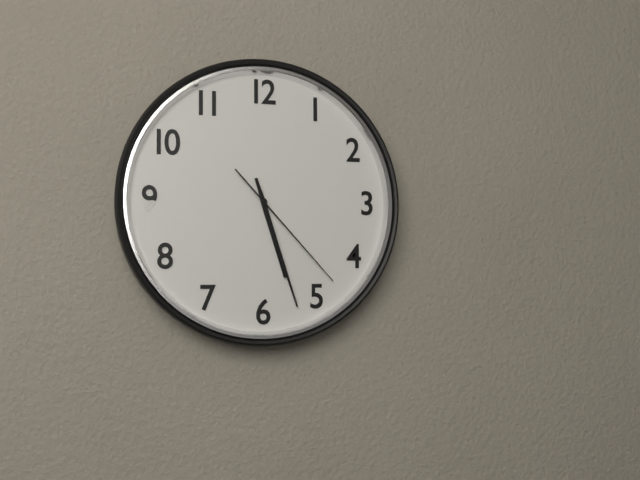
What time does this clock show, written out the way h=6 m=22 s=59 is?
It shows h=5 m=27 s=23
